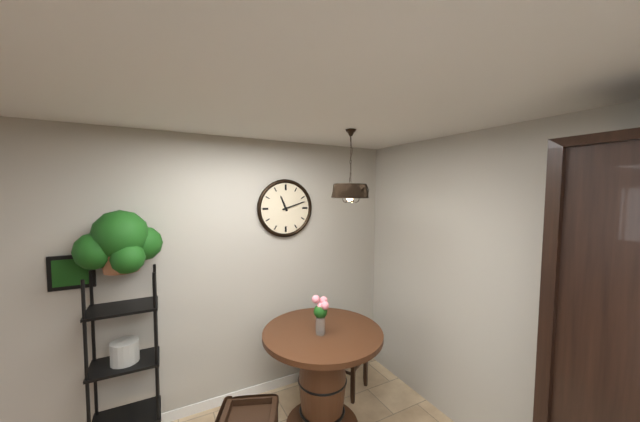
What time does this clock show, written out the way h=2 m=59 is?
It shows h=11 m=12
